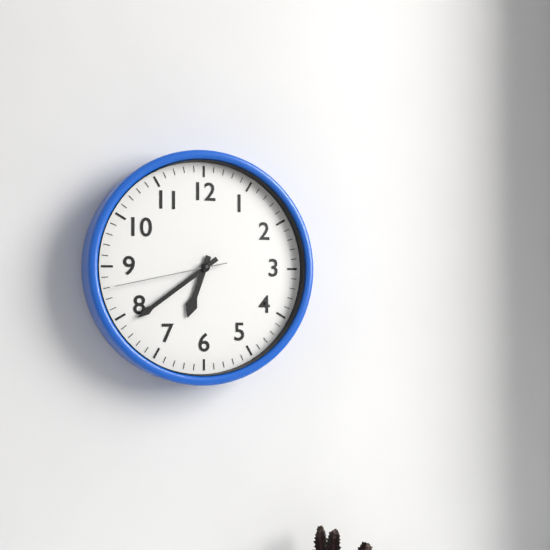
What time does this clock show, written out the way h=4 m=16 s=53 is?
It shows h=6 m=39 s=43
